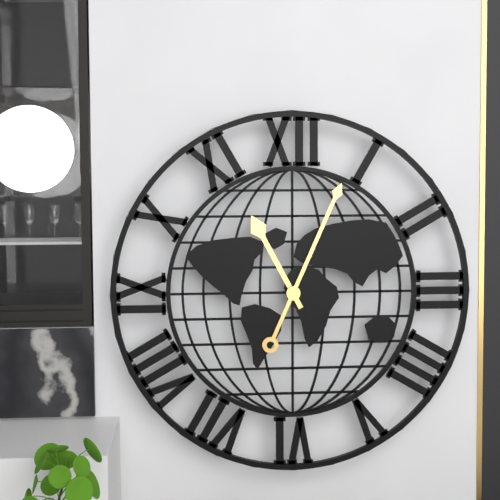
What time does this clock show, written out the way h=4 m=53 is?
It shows h=11 m=4
